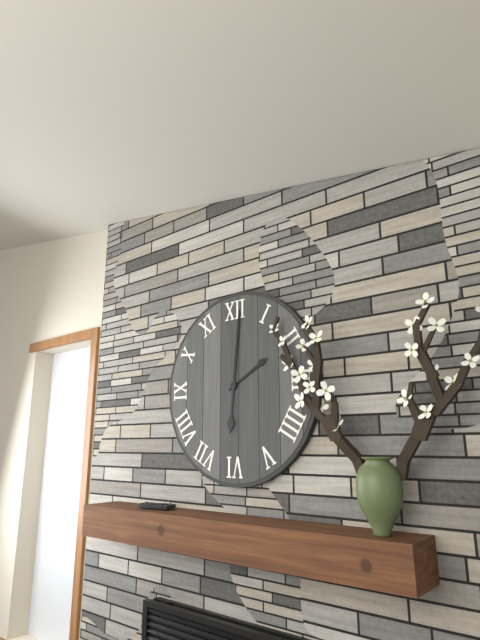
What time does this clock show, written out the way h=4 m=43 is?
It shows h=2 m=1
